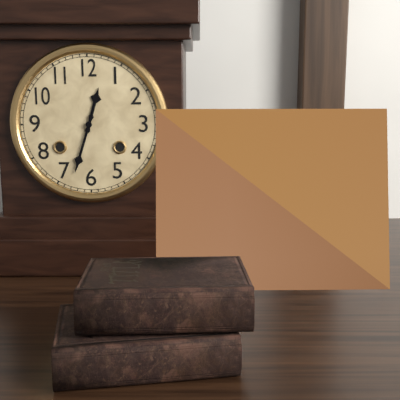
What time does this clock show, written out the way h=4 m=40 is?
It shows h=12 m=33
